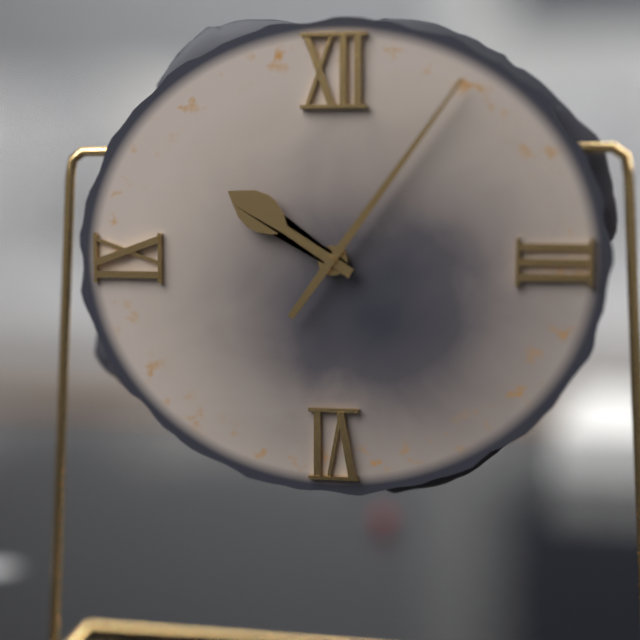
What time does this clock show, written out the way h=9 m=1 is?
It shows h=10 m=6
